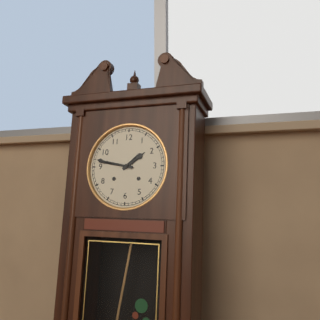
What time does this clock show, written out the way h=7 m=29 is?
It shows h=1 m=47
